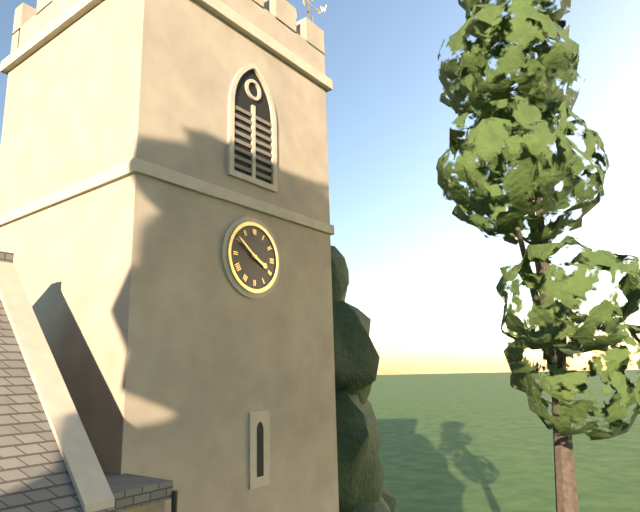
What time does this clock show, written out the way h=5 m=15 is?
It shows h=3 m=51
